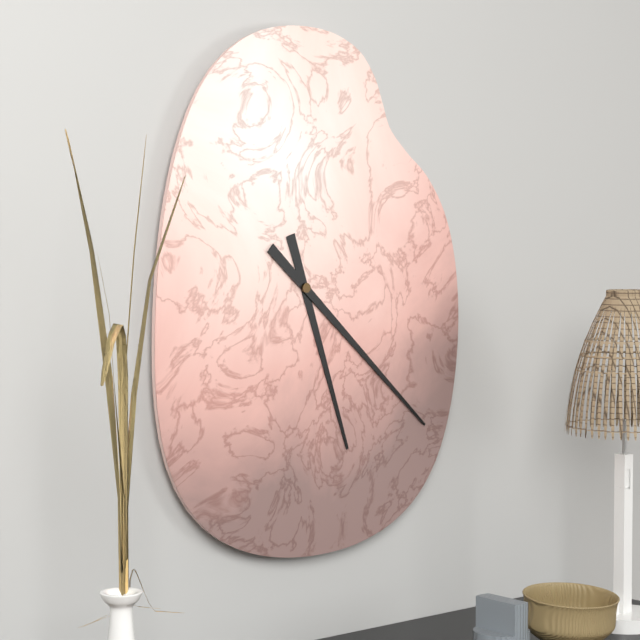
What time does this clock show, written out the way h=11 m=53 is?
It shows h=5 m=22
